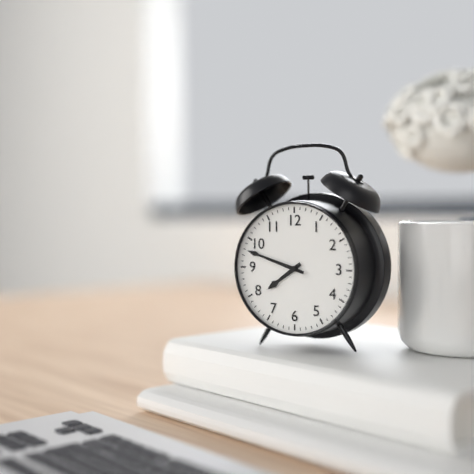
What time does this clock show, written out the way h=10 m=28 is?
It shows h=7 m=48
